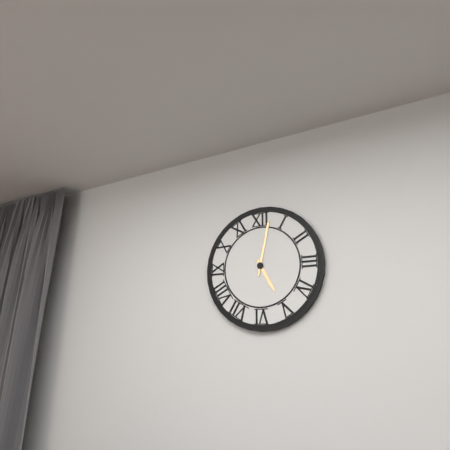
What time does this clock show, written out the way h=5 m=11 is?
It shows h=5 m=2
